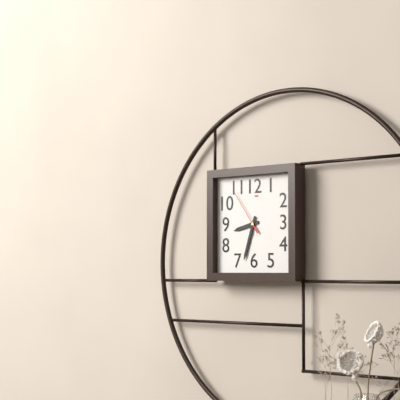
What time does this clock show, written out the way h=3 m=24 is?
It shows h=8 m=33
